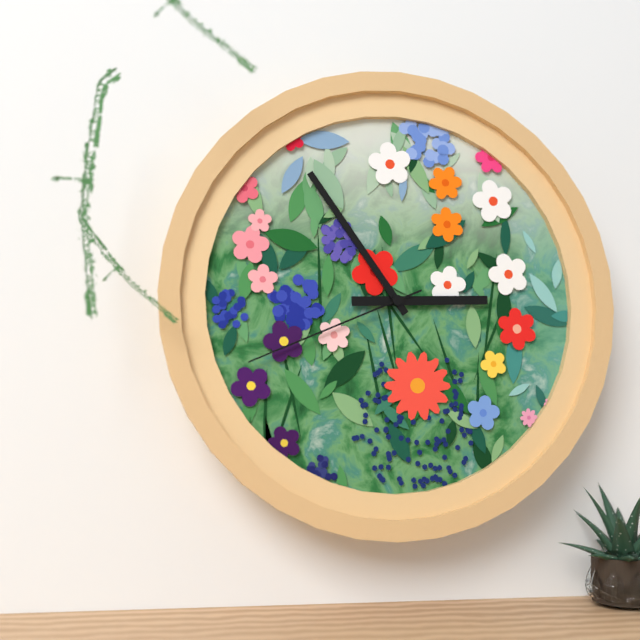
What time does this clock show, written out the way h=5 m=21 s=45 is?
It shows h=2 m=54 s=41
